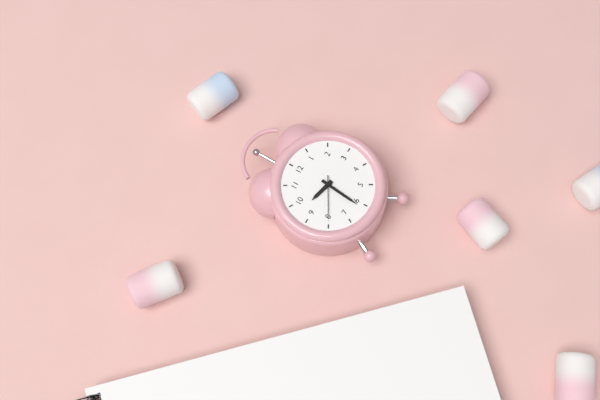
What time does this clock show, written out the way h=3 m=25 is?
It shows h=9 m=31
